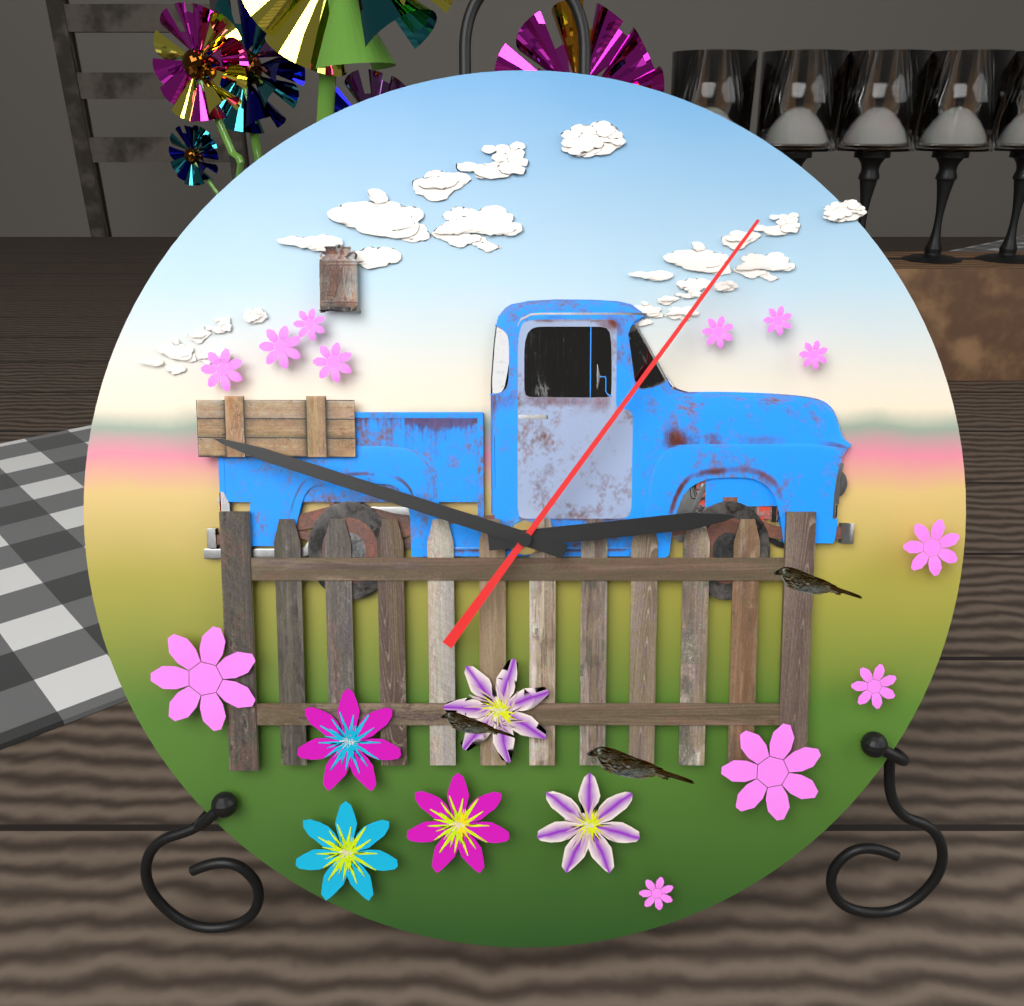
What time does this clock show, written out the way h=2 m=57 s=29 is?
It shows h=2 m=48 s=6
